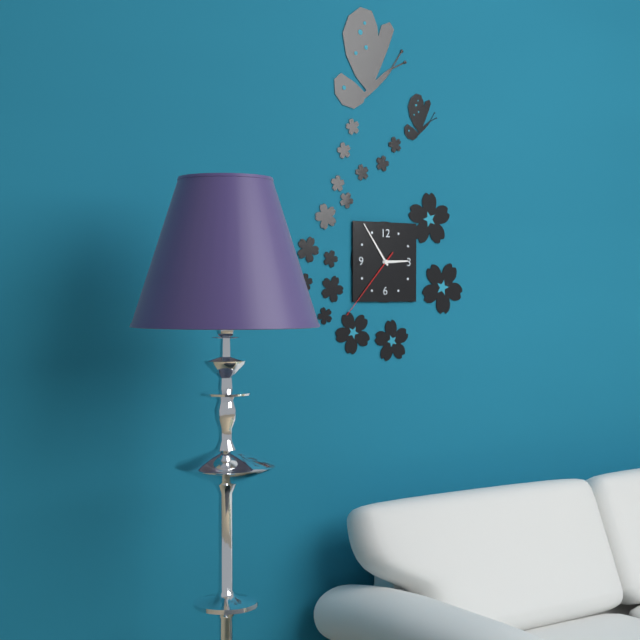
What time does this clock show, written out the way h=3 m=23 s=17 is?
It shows h=2 m=54 s=37
